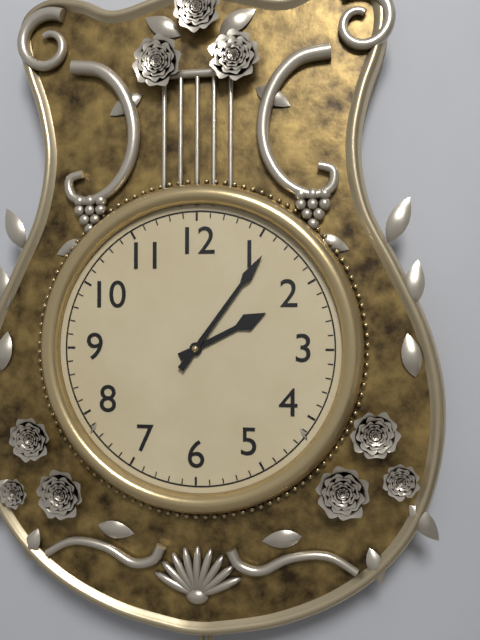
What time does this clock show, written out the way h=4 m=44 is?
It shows h=2 m=6
